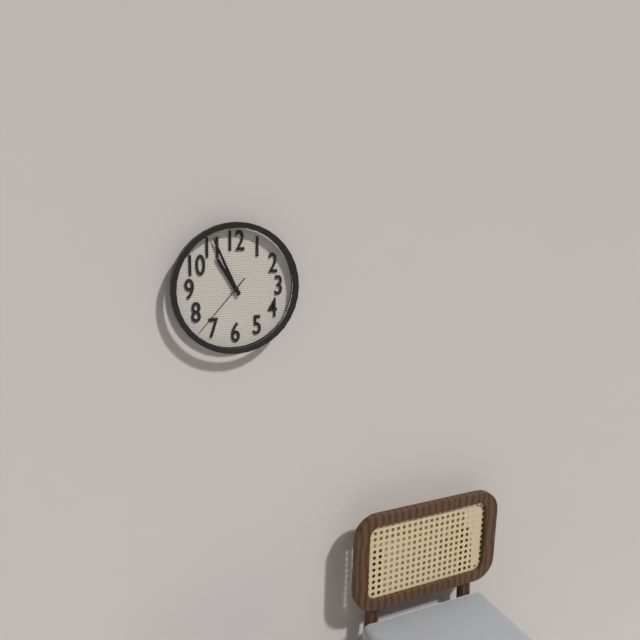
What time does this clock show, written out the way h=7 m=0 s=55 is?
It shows h=10 m=56 s=37
